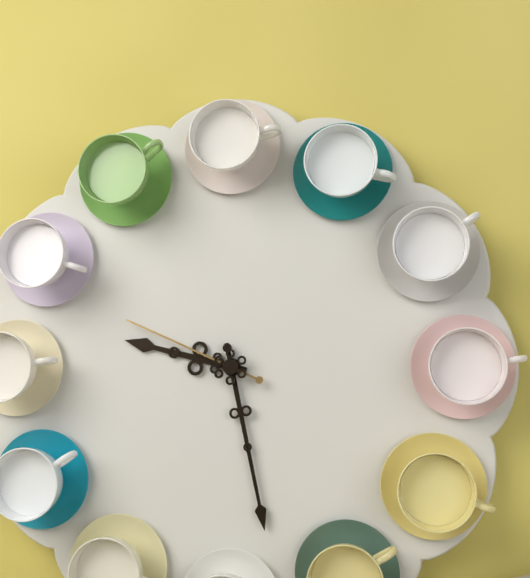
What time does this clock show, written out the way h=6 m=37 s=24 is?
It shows h=9 m=28 s=49
